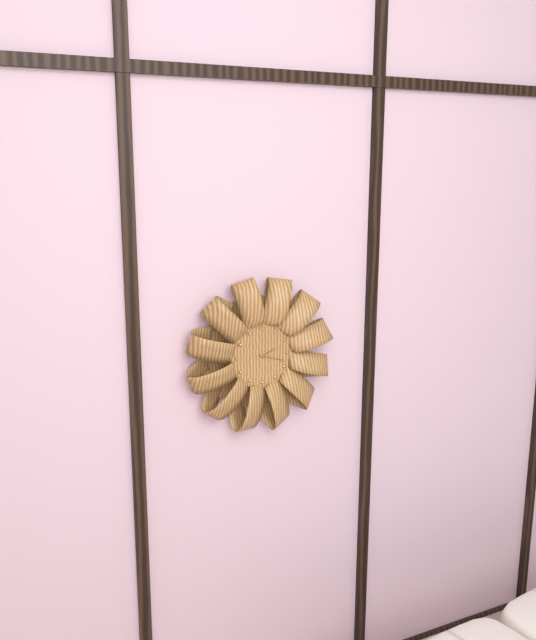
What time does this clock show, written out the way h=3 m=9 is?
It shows h=2 m=18
